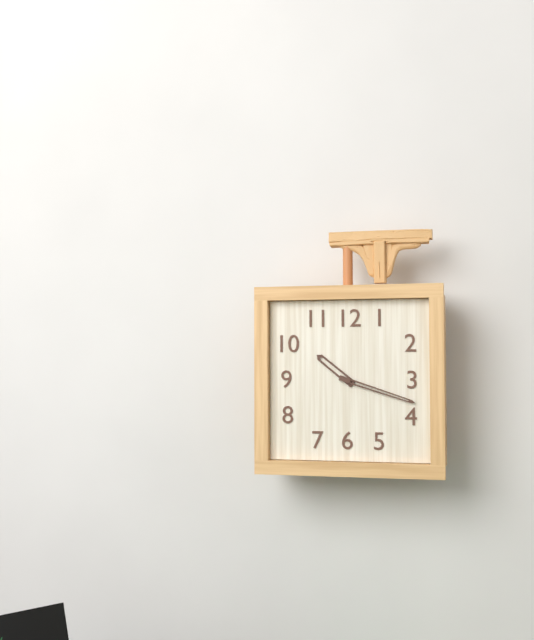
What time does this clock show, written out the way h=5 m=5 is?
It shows h=10 m=18
